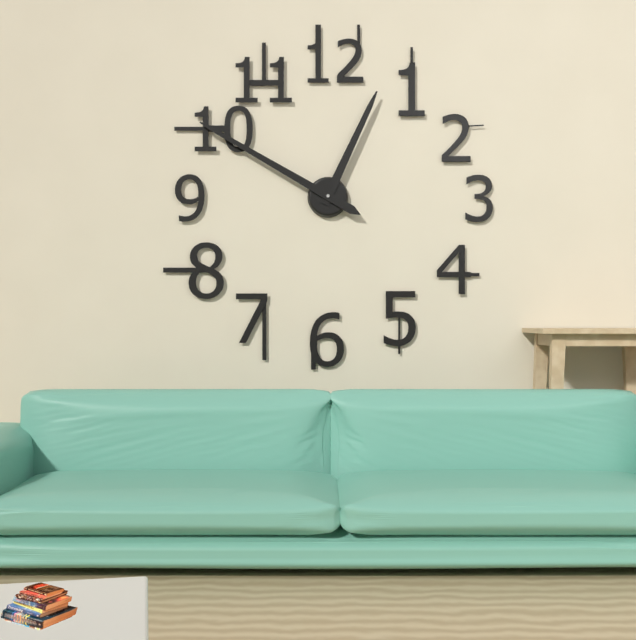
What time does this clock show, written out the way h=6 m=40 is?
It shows h=12 m=50
